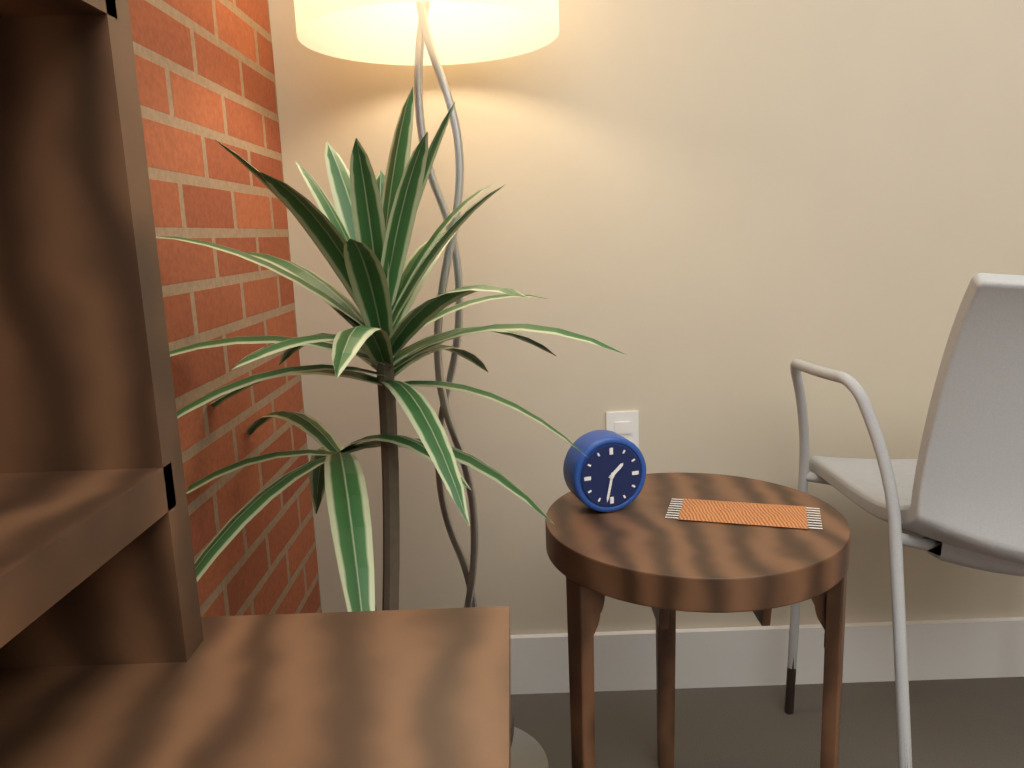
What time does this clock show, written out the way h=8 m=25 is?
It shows h=1 m=32
